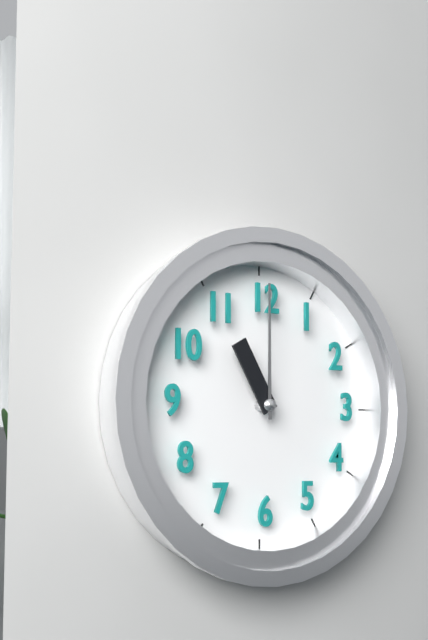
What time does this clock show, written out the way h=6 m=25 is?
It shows h=11 m=0
